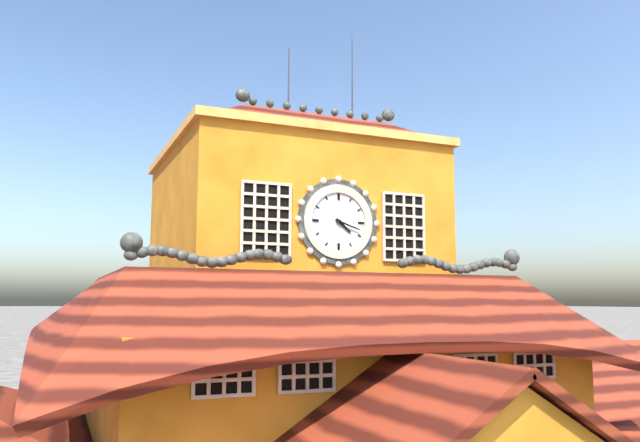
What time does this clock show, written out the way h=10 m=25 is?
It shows h=4 m=18
